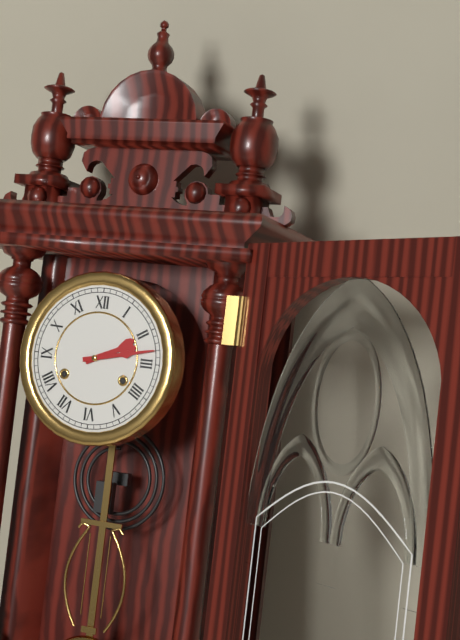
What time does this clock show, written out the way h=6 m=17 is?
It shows h=2 m=13
